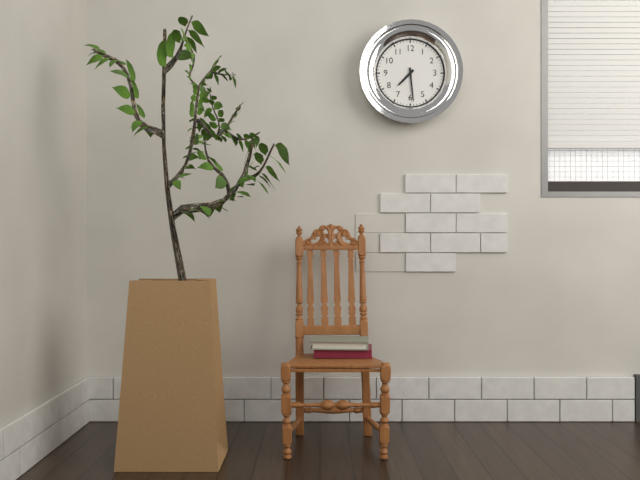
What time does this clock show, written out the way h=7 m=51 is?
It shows h=7 m=29
